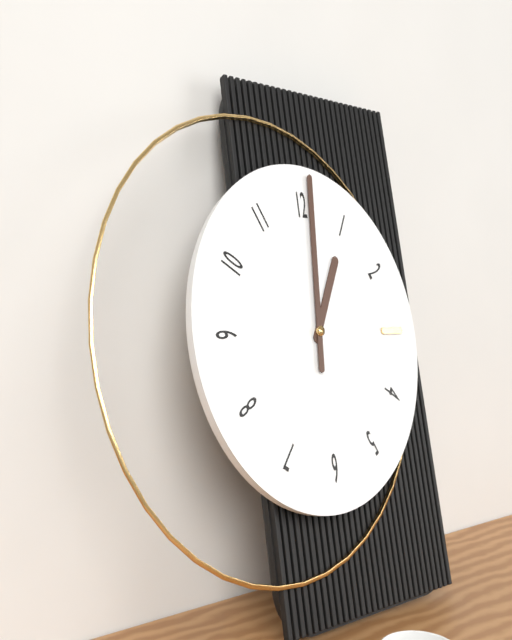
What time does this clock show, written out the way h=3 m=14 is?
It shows h=1 m=1
